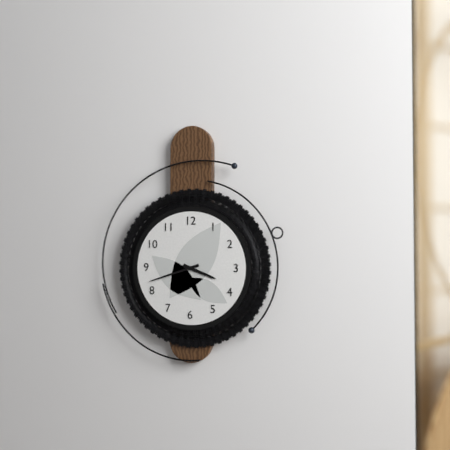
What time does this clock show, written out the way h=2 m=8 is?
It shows h=3 m=42
